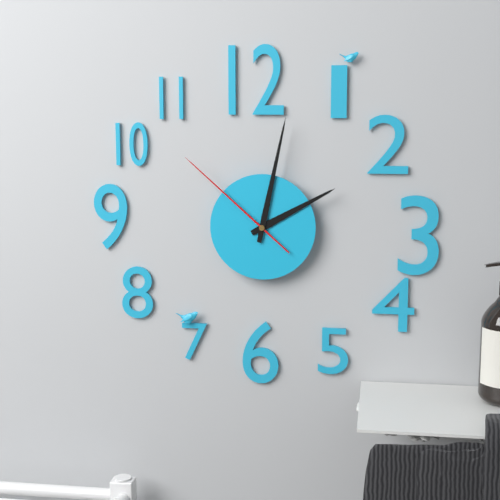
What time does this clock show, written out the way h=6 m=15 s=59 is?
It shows h=2 m=2 s=52
